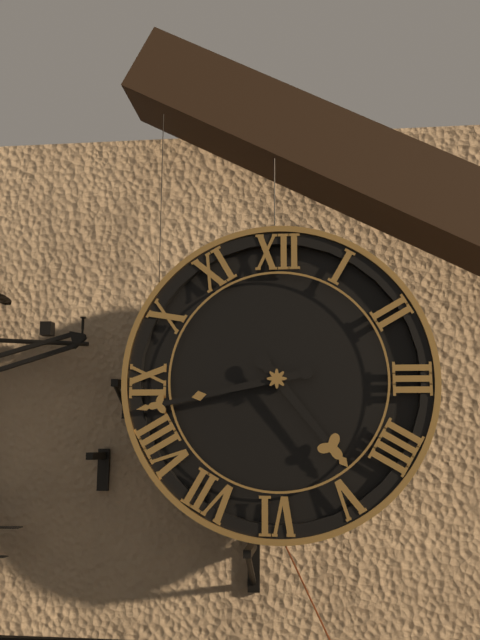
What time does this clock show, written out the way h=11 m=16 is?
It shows h=4 m=43
